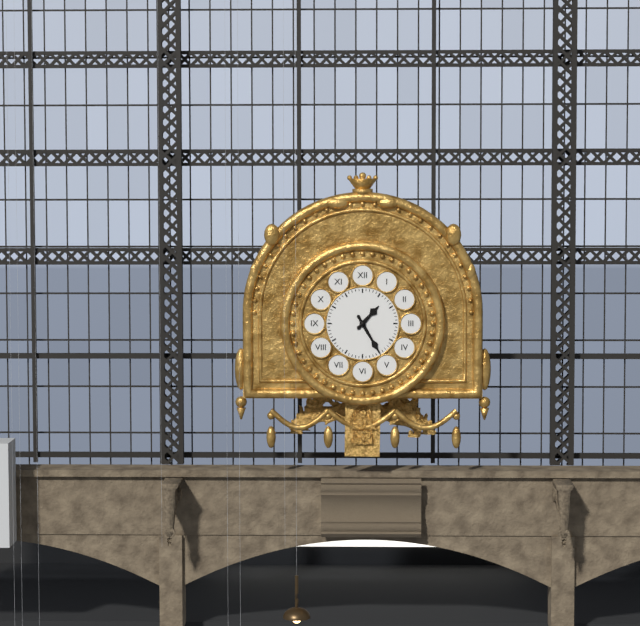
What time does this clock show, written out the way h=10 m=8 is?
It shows h=1 m=25
